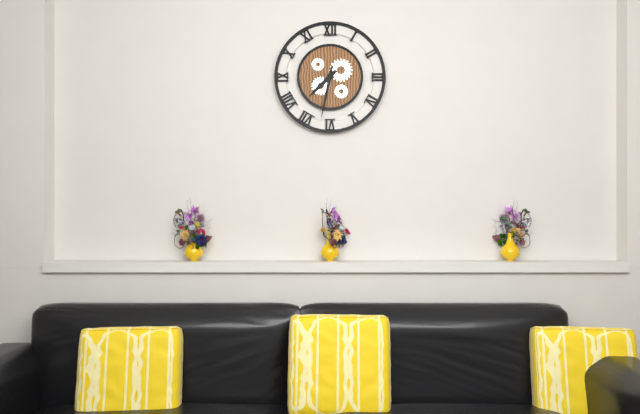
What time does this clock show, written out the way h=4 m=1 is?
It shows h=7 m=32
